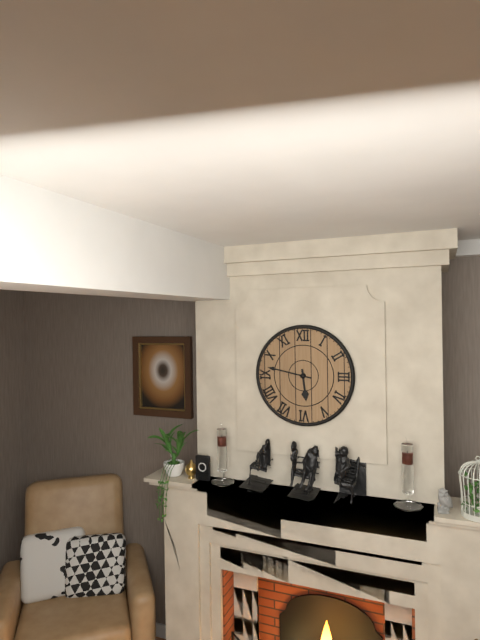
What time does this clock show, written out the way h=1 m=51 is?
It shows h=5 m=47
